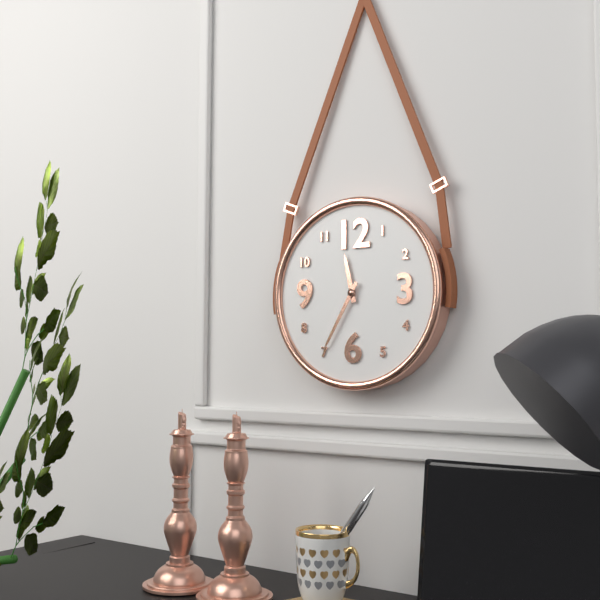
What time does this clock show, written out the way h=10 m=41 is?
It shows h=11 m=35
